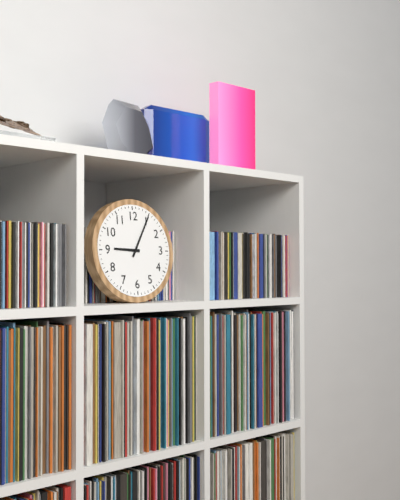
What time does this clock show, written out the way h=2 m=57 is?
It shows h=9 m=5
